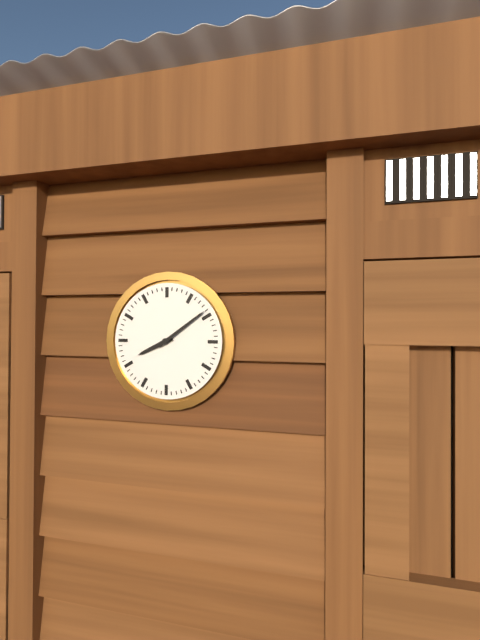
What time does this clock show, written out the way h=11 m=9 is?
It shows h=8 m=9
